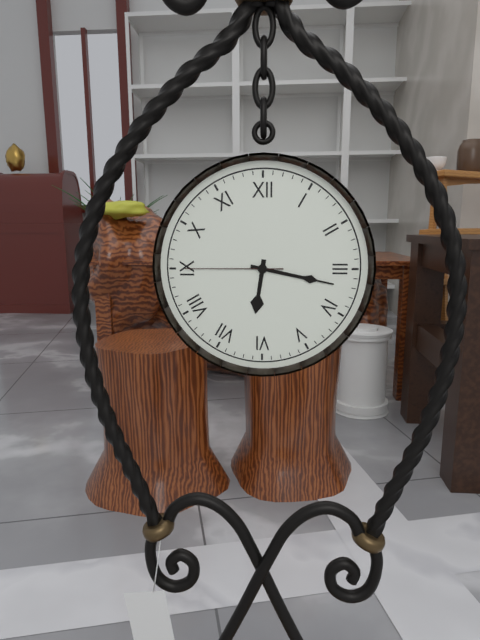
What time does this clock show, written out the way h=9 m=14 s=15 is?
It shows h=6 m=17 s=45
